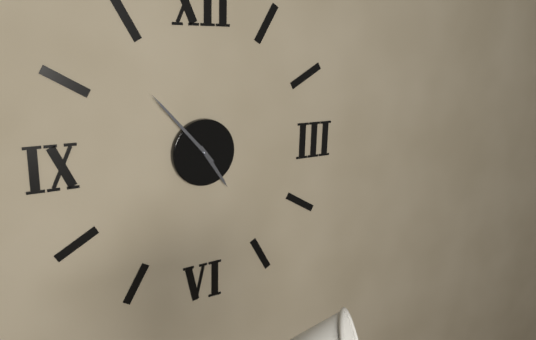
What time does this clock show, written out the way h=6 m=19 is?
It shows h=4 m=53
